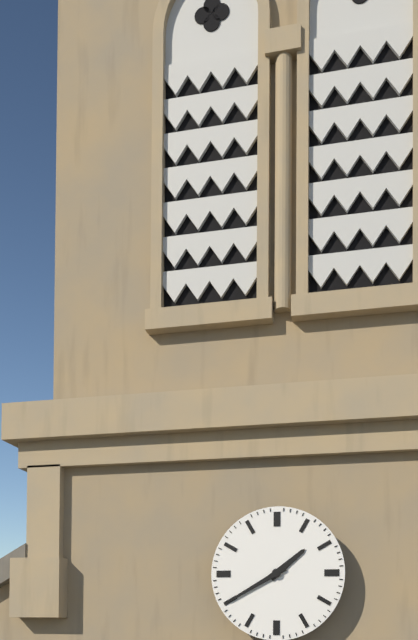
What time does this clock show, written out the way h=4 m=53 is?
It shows h=1 m=40
